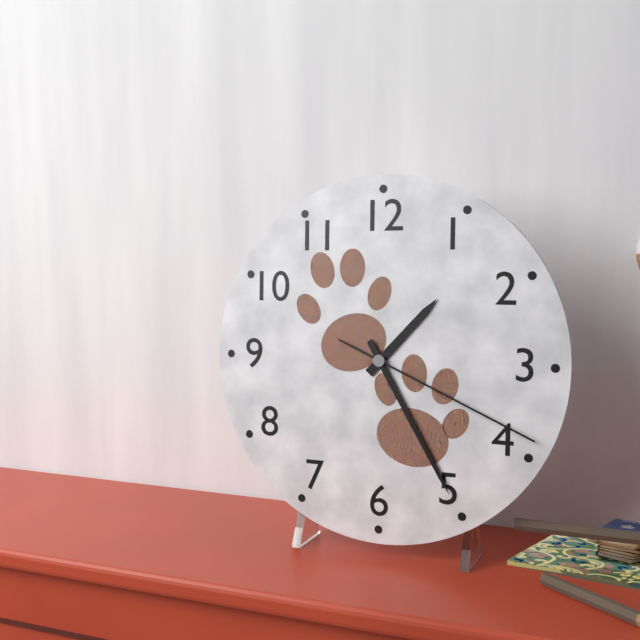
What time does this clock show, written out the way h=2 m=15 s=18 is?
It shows h=1 m=25 s=19
